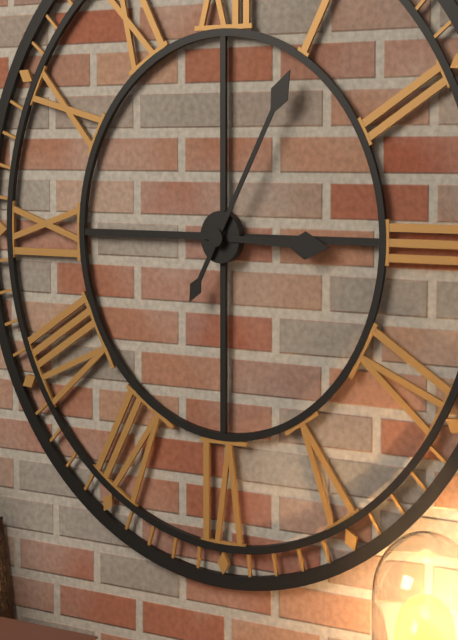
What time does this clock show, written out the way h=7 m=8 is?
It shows h=3 m=5
